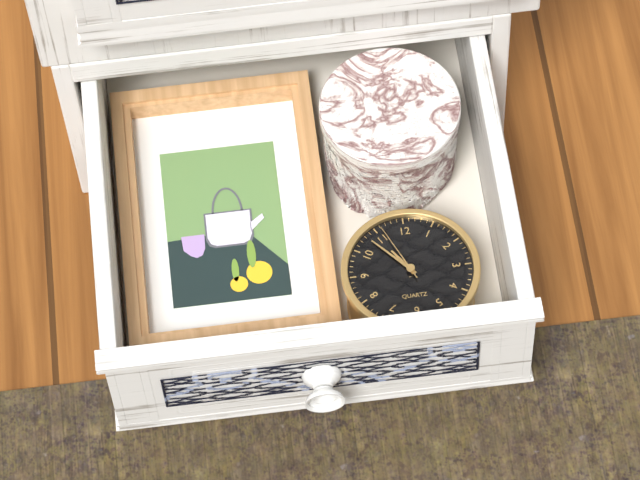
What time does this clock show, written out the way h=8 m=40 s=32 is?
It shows h=10 m=53 s=56
